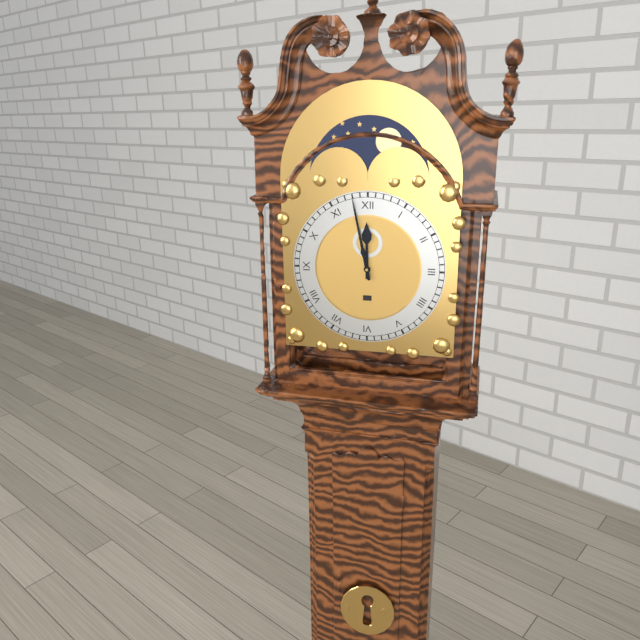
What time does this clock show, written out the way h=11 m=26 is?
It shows h=11 m=58
